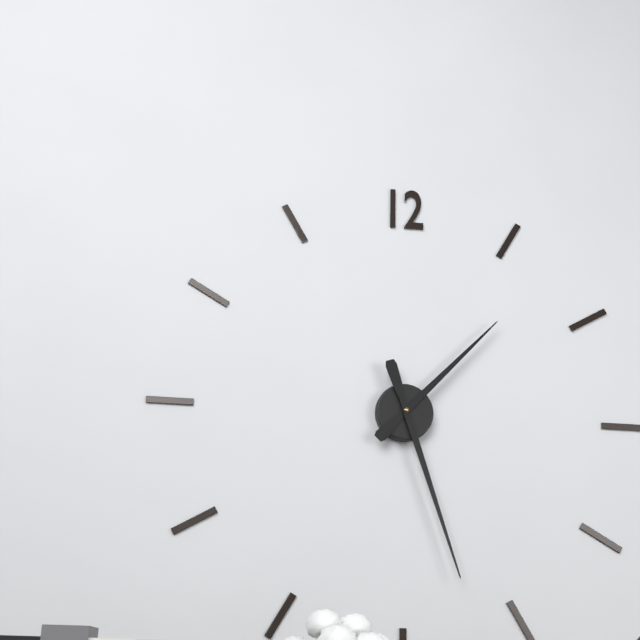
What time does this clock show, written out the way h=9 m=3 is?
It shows h=1 m=27
